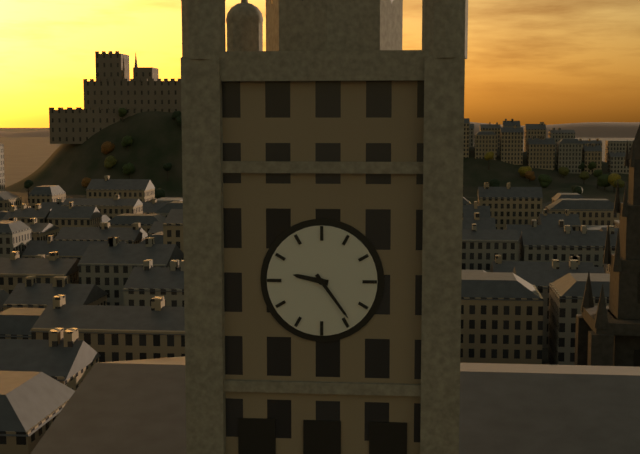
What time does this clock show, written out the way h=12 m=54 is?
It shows h=9 m=24
